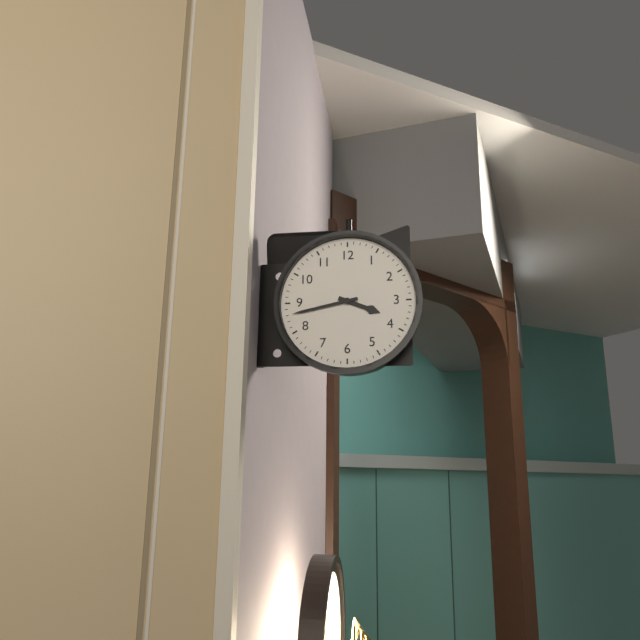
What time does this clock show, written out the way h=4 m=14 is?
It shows h=3 m=43
